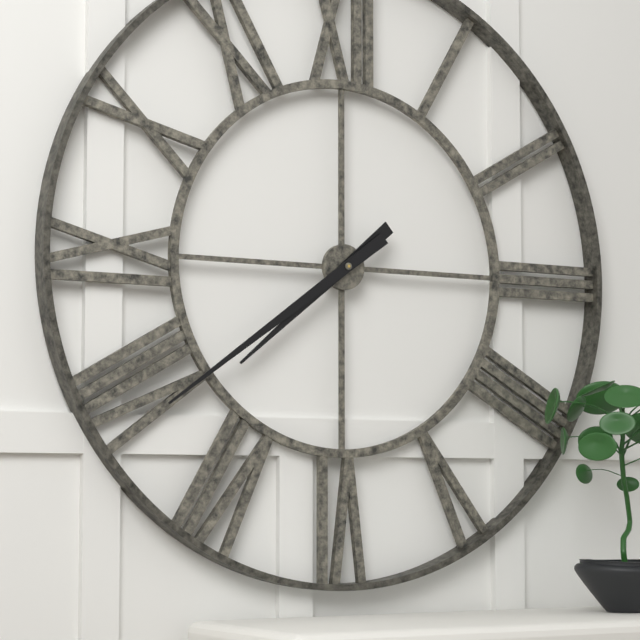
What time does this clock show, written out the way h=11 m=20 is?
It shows h=7 m=39
